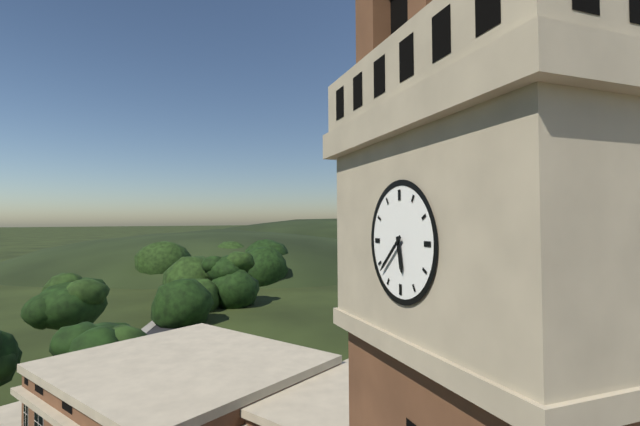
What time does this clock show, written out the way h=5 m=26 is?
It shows h=5 m=38
